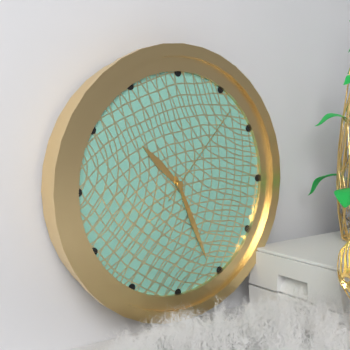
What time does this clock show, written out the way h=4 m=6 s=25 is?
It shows h=10 m=26 s=7
